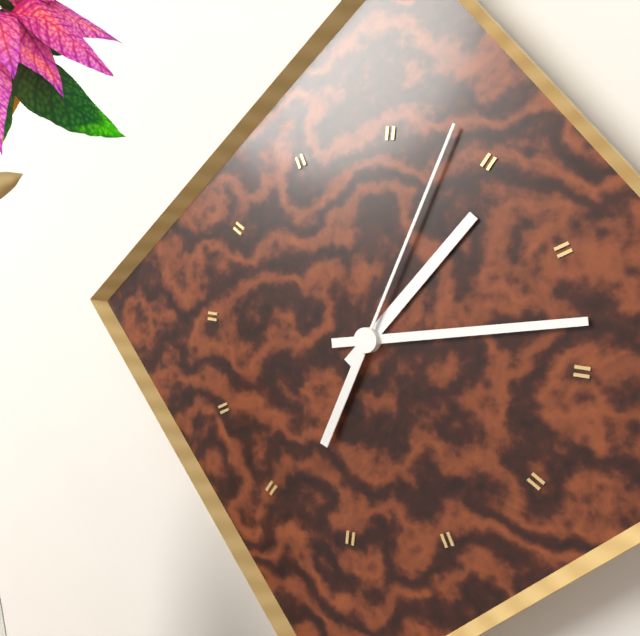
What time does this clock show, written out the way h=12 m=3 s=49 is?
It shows h=1 m=13 s=3
